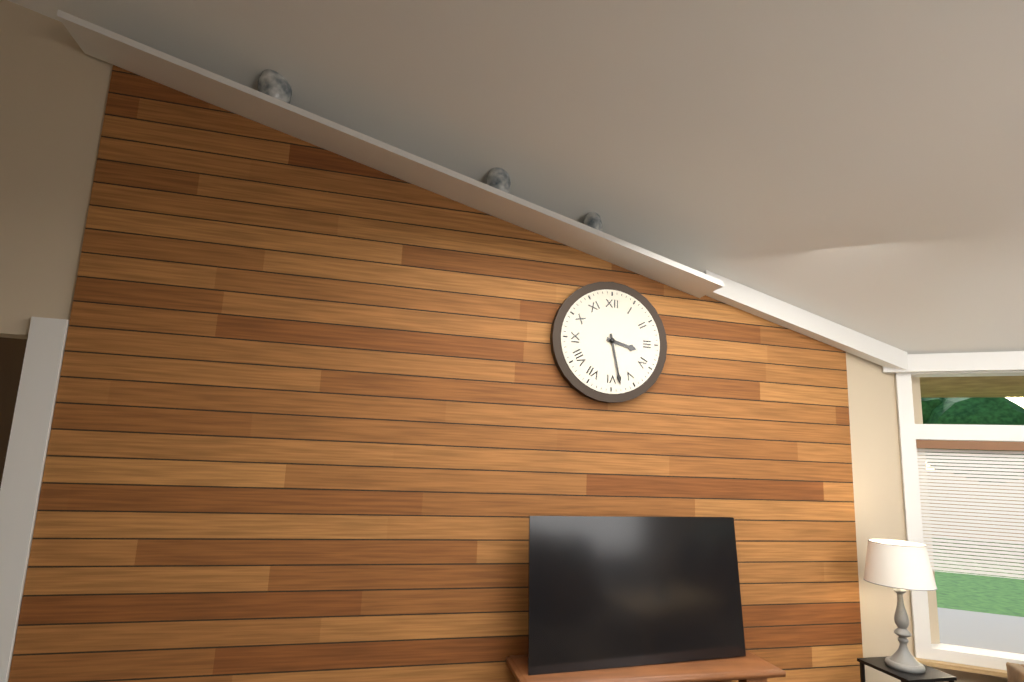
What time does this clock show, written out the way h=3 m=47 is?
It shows h=3 m=28
